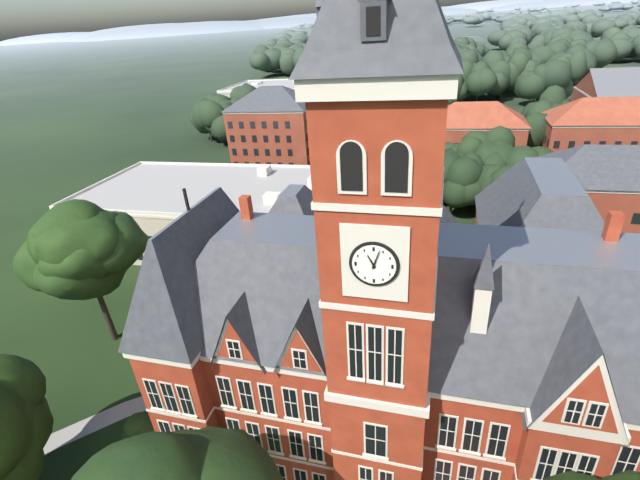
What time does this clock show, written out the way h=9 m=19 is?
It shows h=11 m=3
